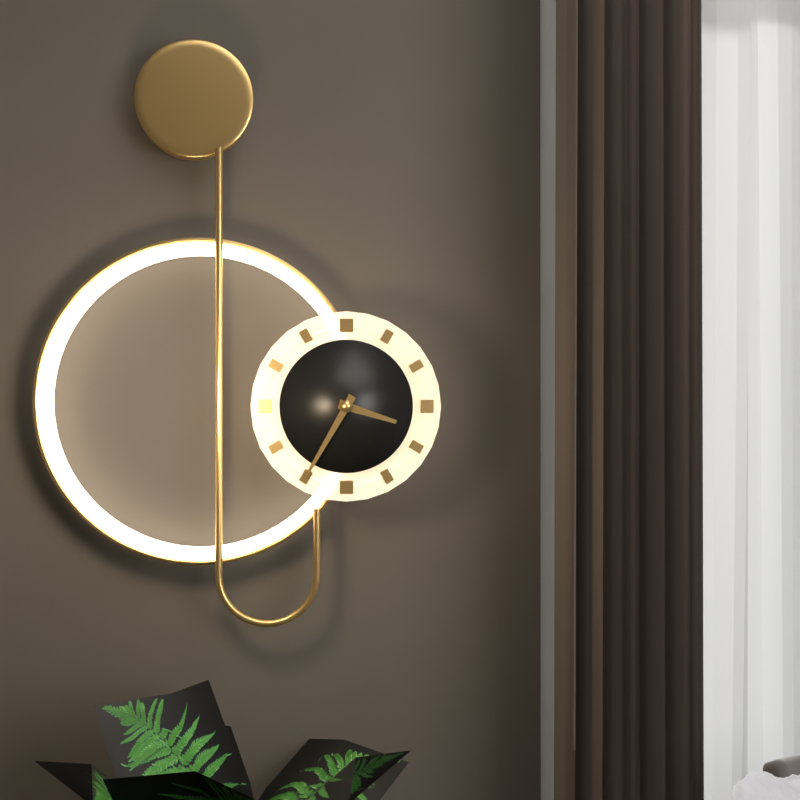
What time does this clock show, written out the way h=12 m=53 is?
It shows h=3 m=35
